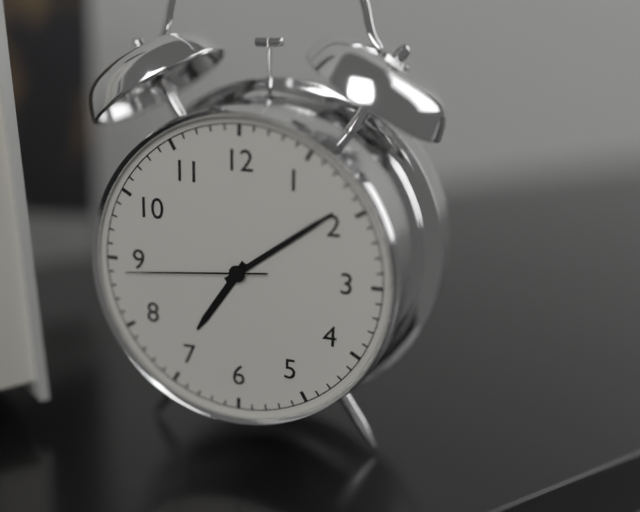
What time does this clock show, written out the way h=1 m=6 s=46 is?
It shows h=7 m=9 s=44
